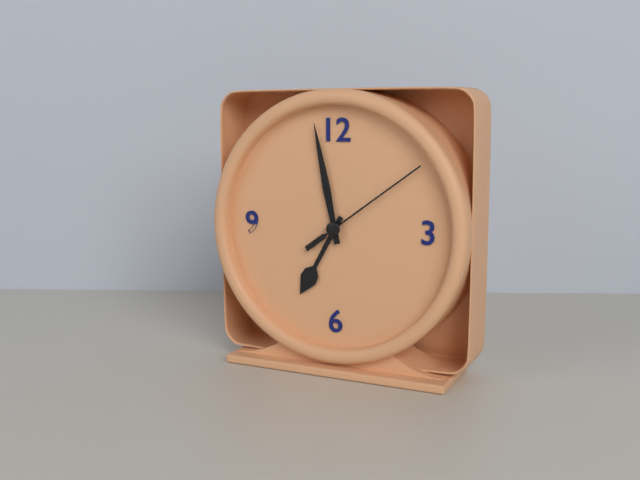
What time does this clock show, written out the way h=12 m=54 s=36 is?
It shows h=6 m=58 s=9
